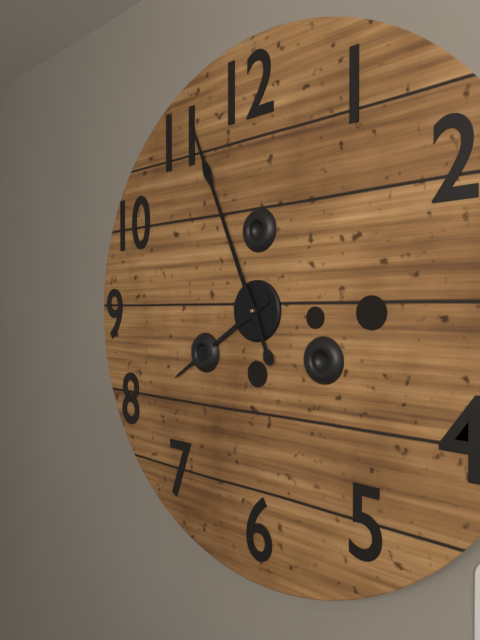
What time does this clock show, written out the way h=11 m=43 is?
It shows h=7 m=56
